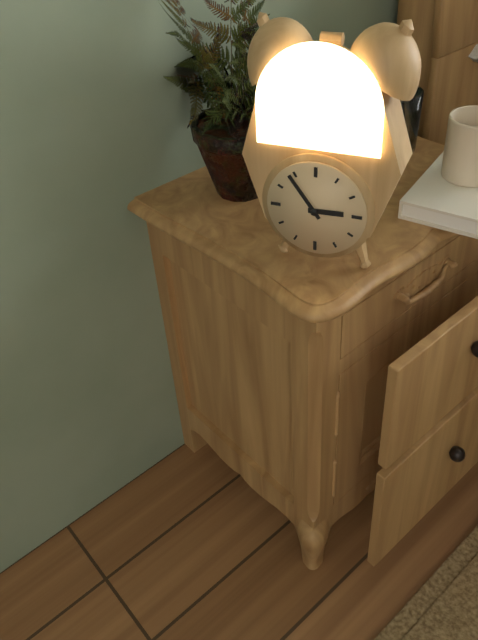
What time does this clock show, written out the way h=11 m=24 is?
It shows h=2 m=54
